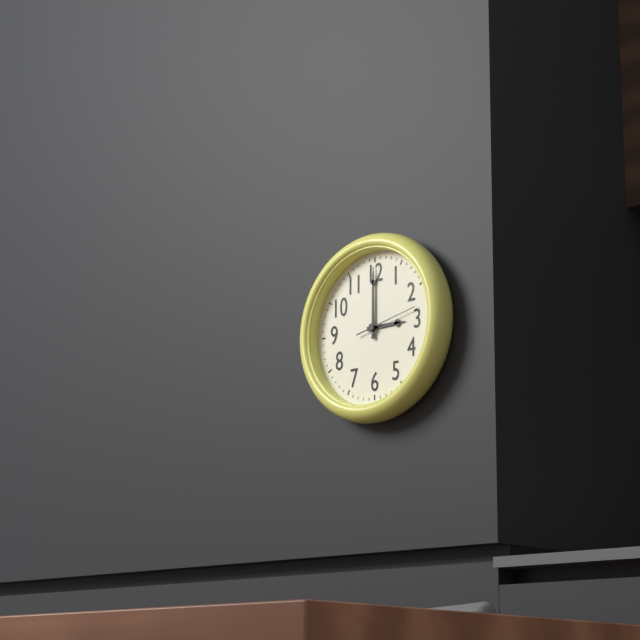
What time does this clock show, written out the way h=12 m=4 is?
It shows h=3 m=0
